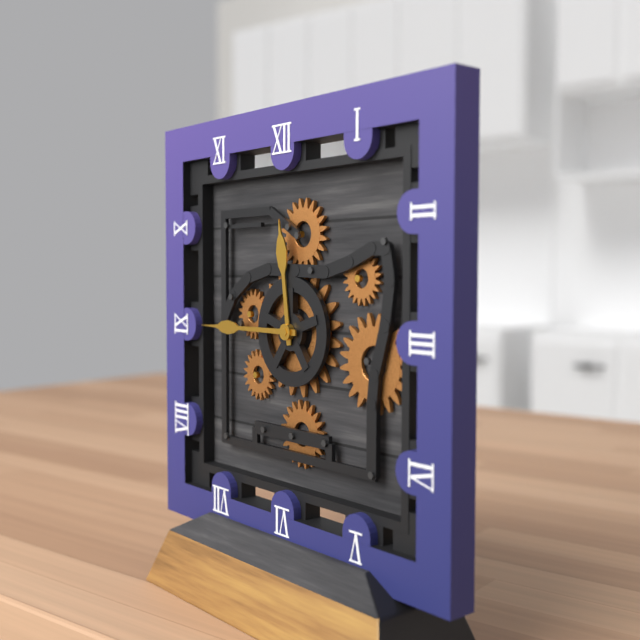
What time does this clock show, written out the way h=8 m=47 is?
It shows h=11 m=45
